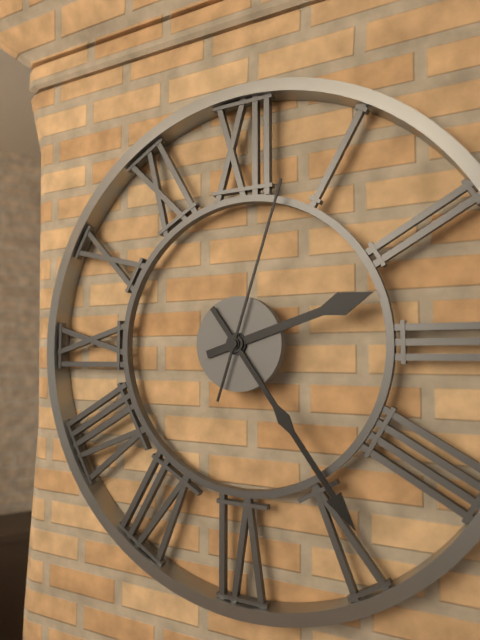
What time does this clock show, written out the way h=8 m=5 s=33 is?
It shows h=2 m=24 s=3
